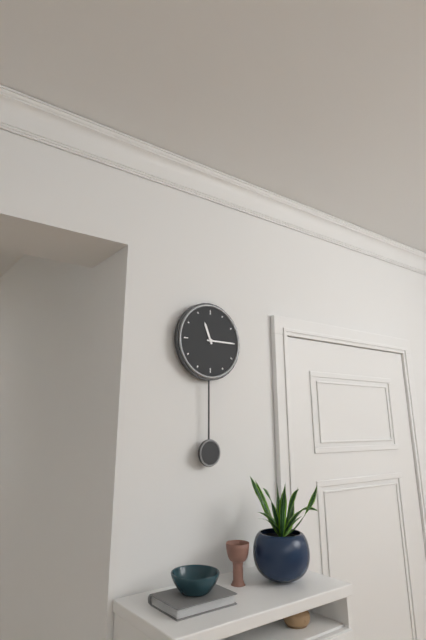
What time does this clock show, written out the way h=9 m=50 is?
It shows h=11 m=15
